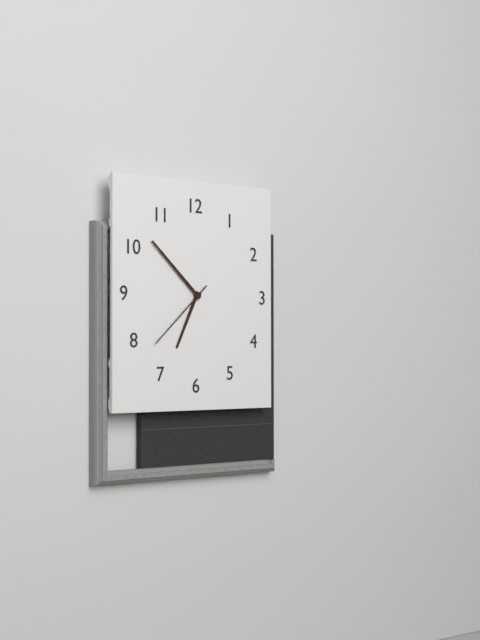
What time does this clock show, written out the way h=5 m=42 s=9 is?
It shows h=6 m=52 s=38
